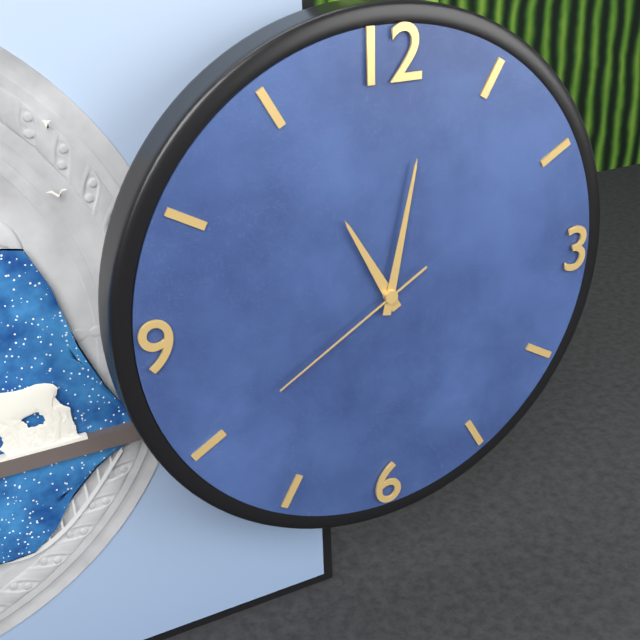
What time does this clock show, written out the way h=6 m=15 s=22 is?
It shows h=11 m=2 s=40
